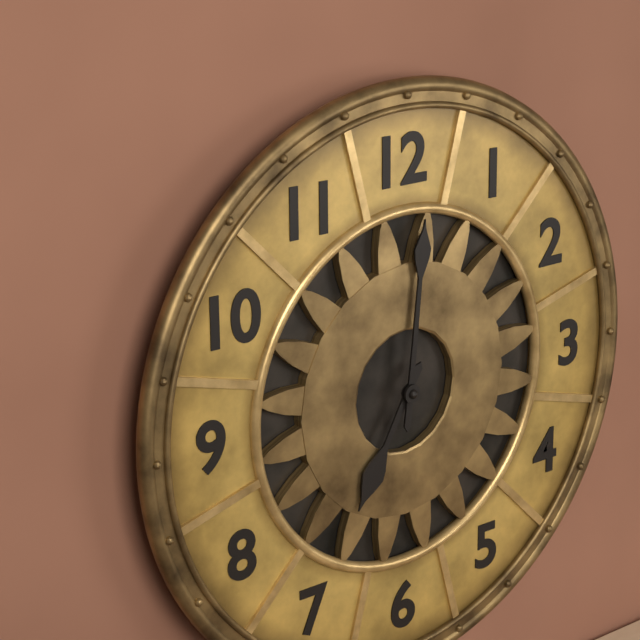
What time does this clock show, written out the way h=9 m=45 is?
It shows h=7 m=1
